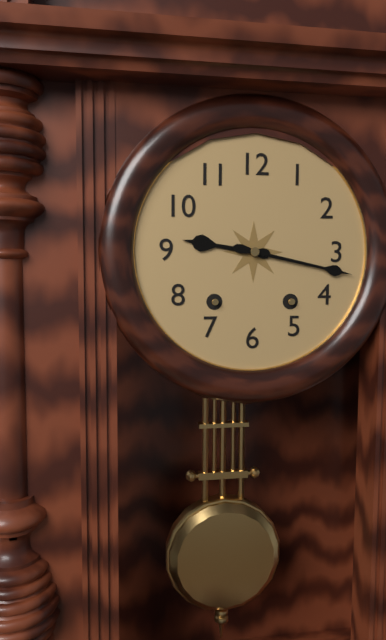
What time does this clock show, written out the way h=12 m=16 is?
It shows h=9 m=17
